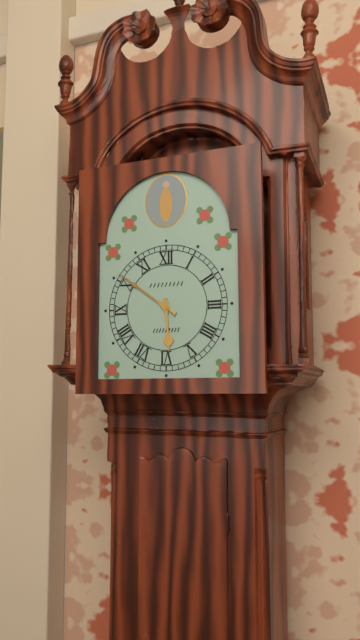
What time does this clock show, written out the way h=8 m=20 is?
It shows h=5 m=51
